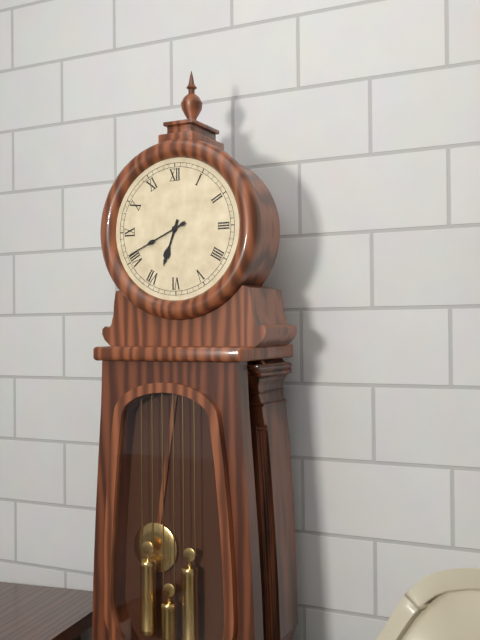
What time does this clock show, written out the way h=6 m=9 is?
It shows h=6 m=41
